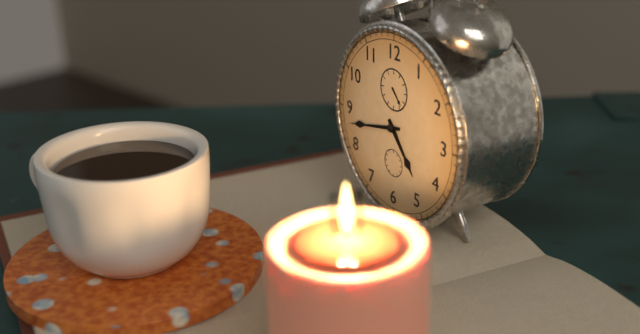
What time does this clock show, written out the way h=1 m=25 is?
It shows h=4 m=43
